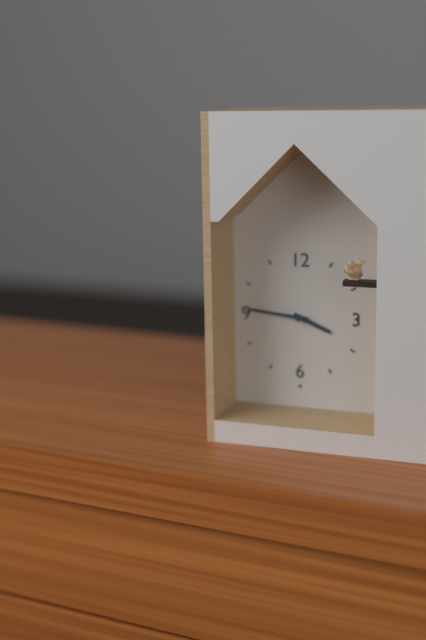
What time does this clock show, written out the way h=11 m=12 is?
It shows h=3 m=46
